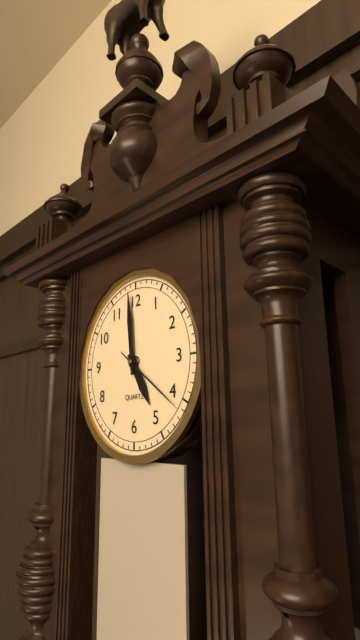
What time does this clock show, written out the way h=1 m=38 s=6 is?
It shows h=4 m=59 s=21
